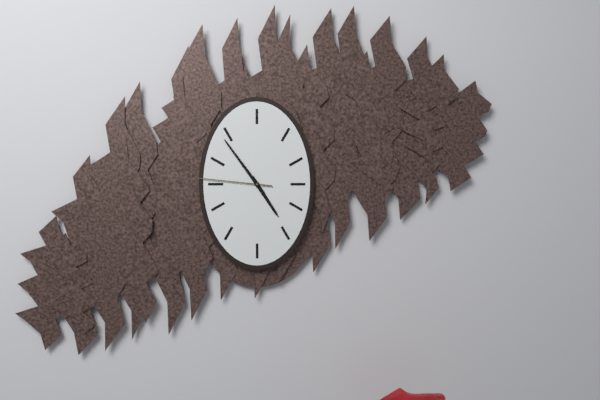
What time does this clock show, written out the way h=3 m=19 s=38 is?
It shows h=4 m=54 s=46
